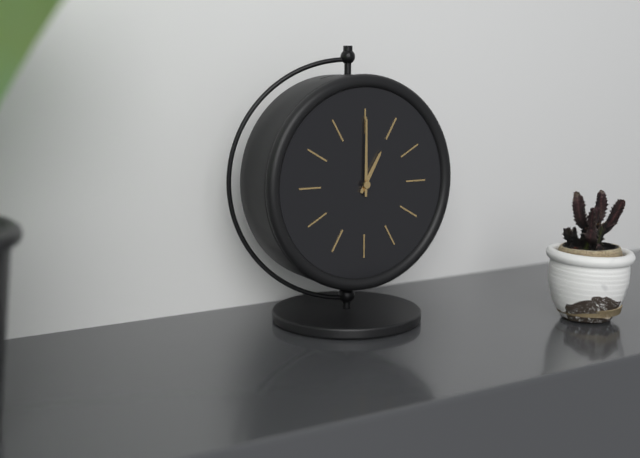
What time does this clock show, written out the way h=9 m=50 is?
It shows h=1 m=0
